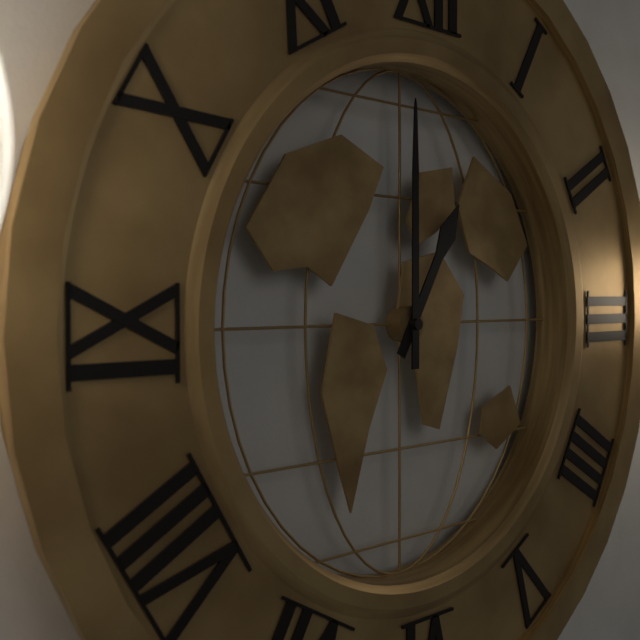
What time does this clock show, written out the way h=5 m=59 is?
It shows h=1 m=0
